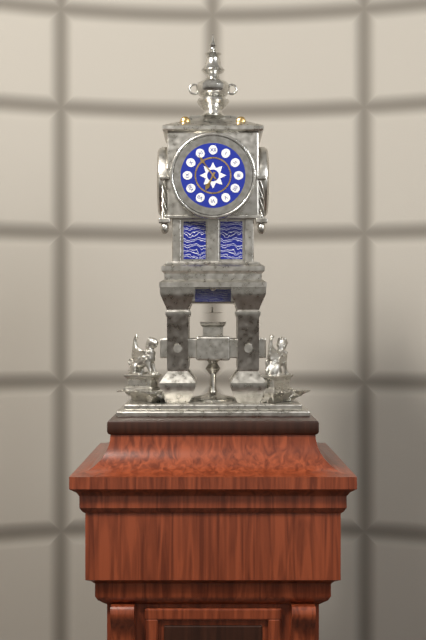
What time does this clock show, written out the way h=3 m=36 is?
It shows h=6 m=54
